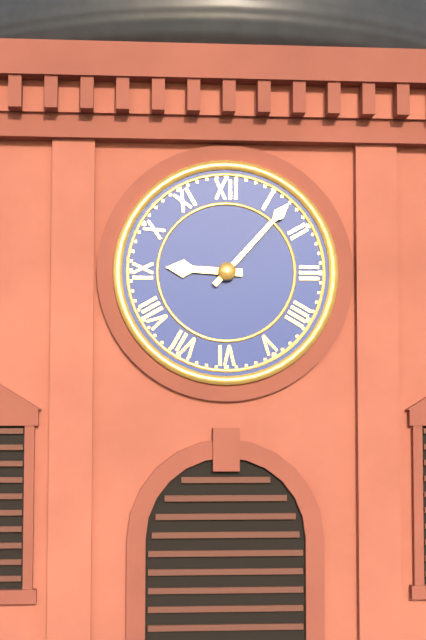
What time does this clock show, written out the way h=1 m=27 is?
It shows h=9 m=7
